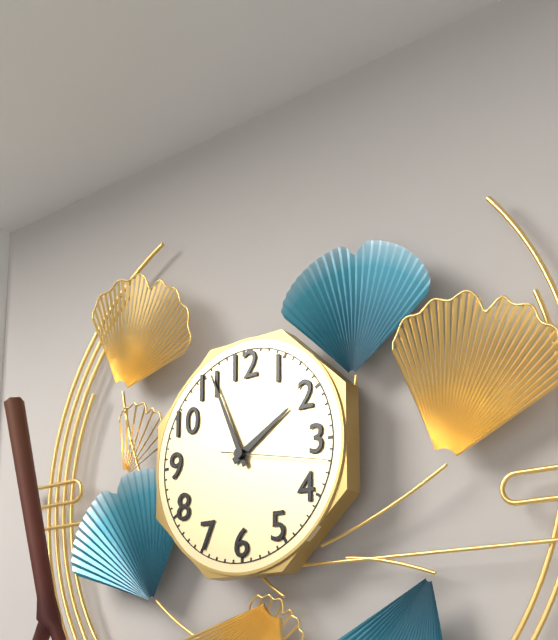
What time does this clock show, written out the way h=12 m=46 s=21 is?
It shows h=1 m=56 s=17
